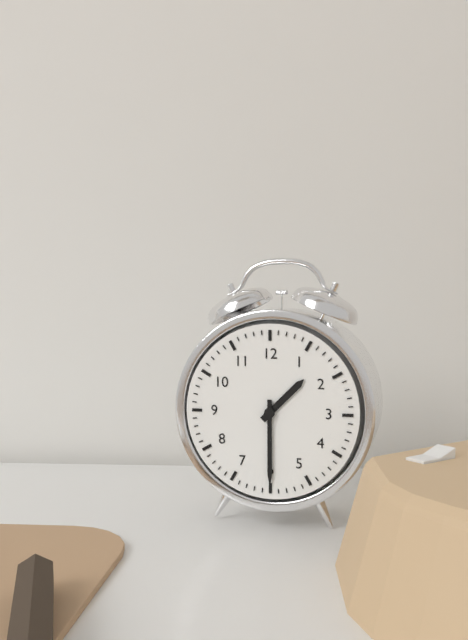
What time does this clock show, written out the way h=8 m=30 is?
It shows h=1 m=30
